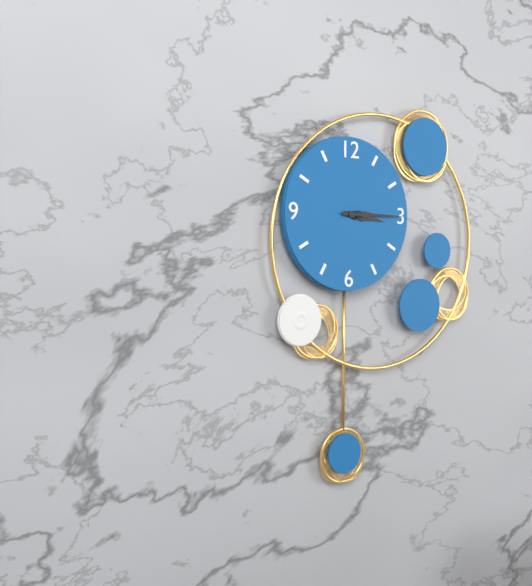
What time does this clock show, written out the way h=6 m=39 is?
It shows h=3 m=15
